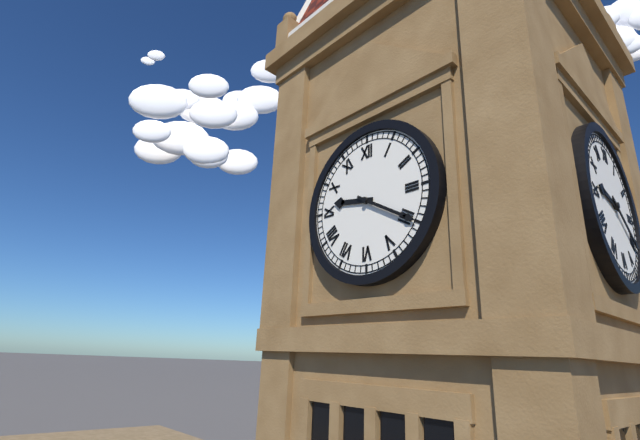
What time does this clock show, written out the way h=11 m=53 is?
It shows h=9 m=20
